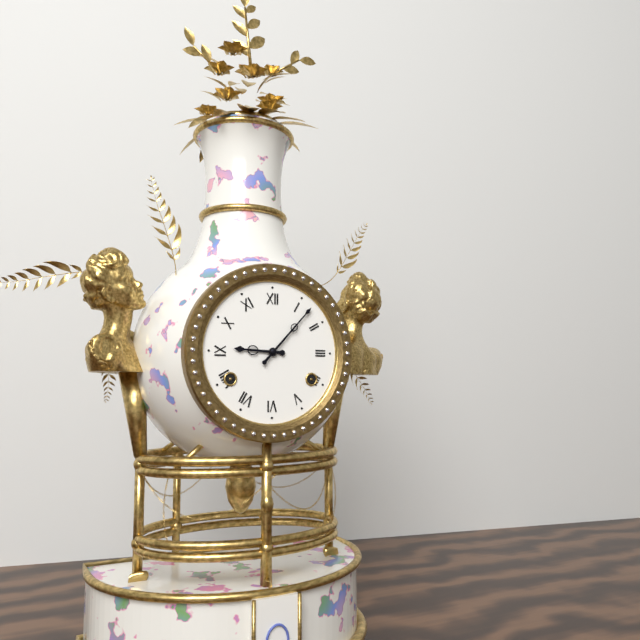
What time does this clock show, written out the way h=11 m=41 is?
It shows h=9 m=7
